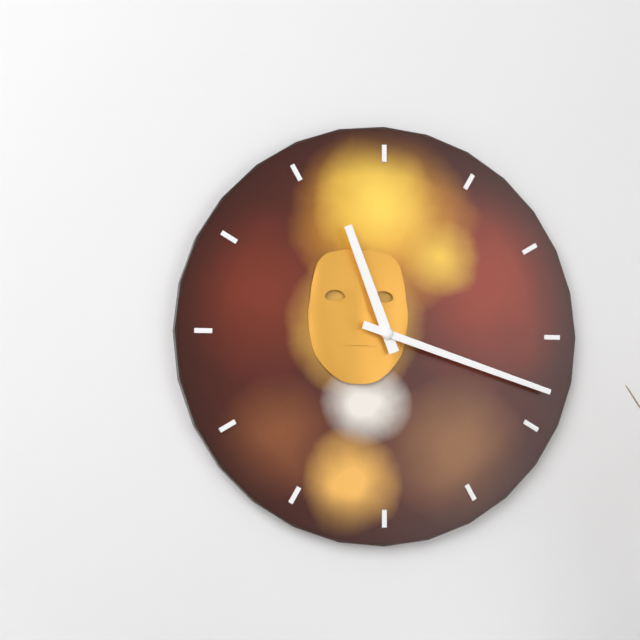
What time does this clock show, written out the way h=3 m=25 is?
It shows h=11 m=18
